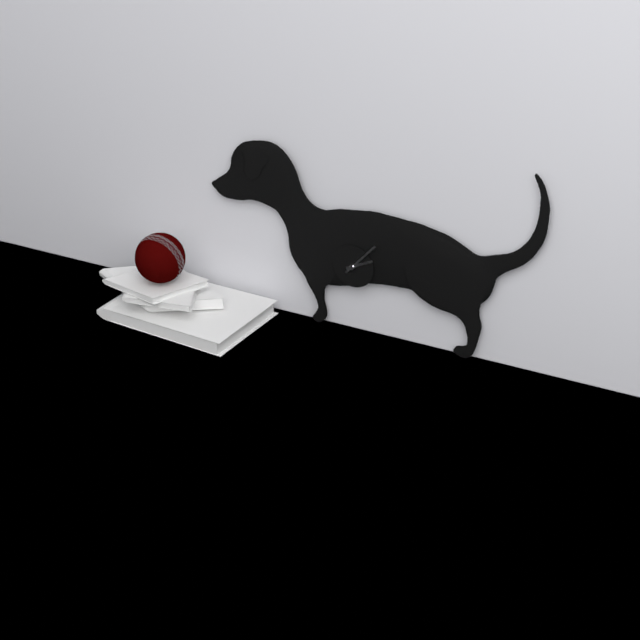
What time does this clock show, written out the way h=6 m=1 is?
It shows h=2 m=7
